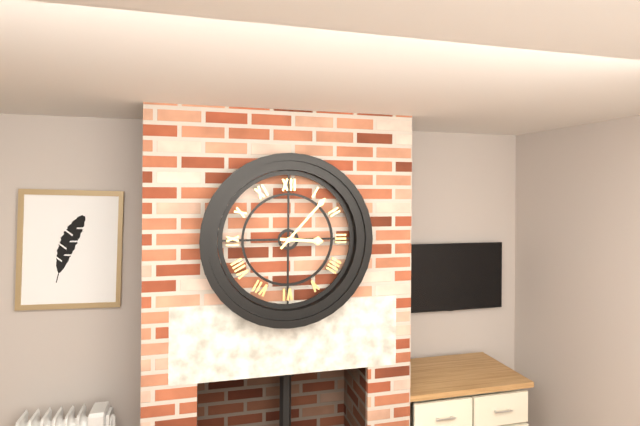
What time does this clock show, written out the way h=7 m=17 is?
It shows h=3 m=7
